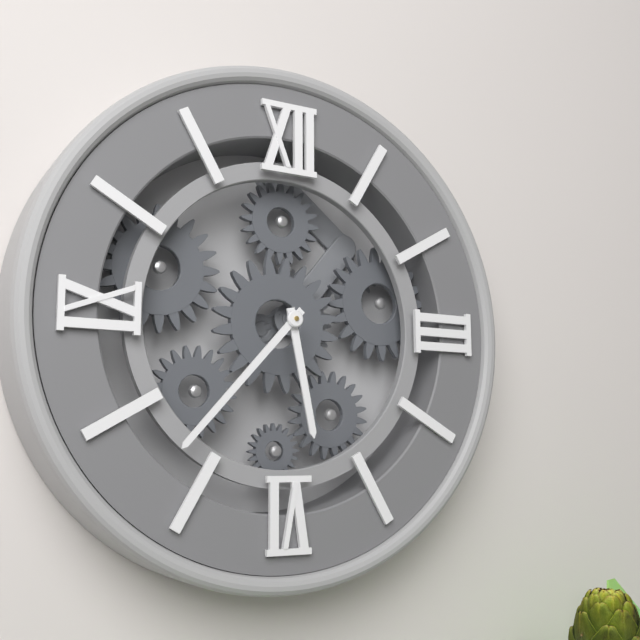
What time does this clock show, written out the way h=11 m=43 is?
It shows h=5 m=37
